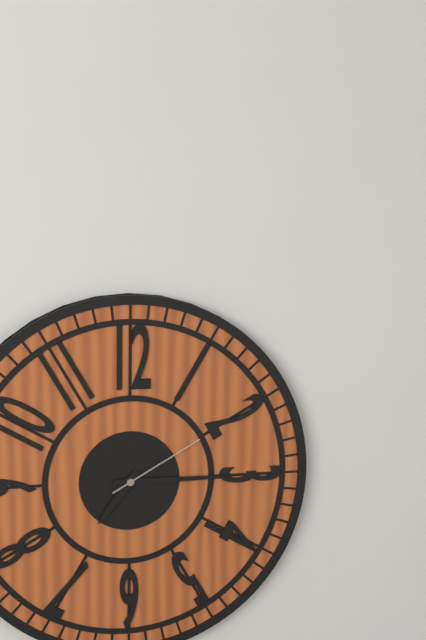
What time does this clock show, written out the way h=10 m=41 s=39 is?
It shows h=7 m=15 s=10
